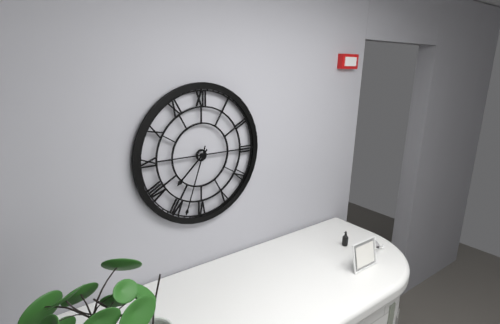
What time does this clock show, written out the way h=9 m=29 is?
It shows h=7 m=33
